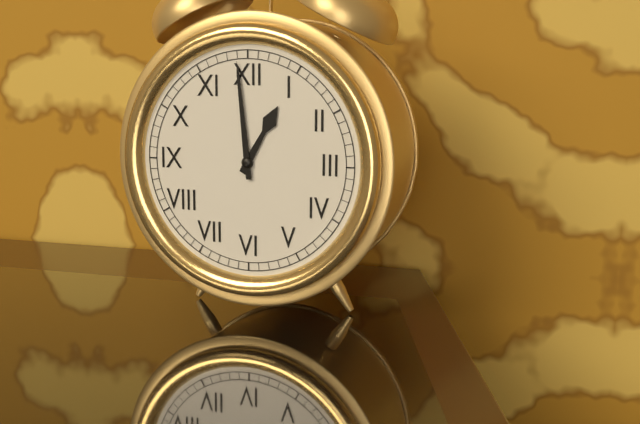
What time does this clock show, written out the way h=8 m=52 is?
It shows h=12 m=59
